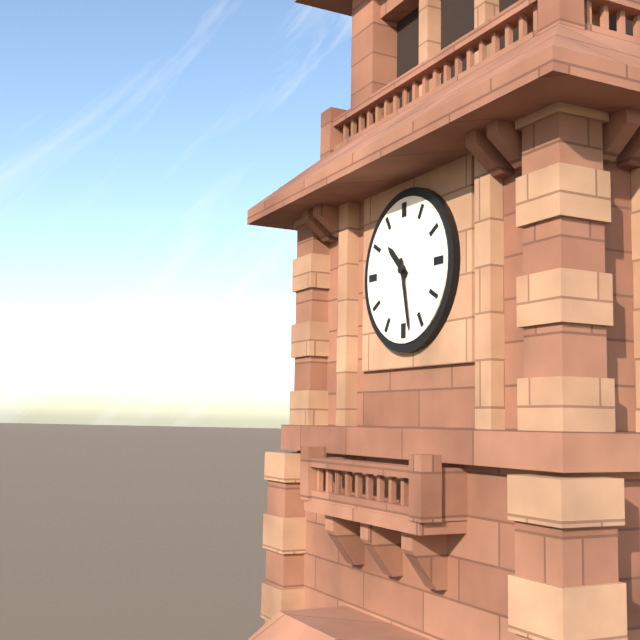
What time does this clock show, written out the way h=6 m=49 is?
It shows h=10 m=28
